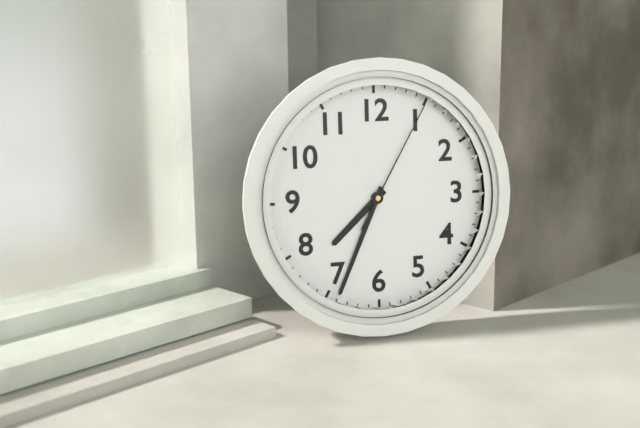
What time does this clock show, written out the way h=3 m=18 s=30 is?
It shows h=7 m=34 s=5
